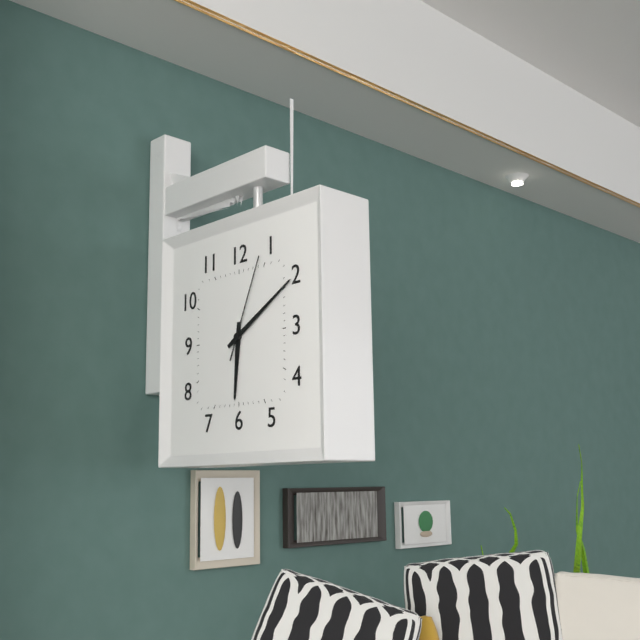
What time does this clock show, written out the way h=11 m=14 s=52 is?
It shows h=6 m=10 s=4
